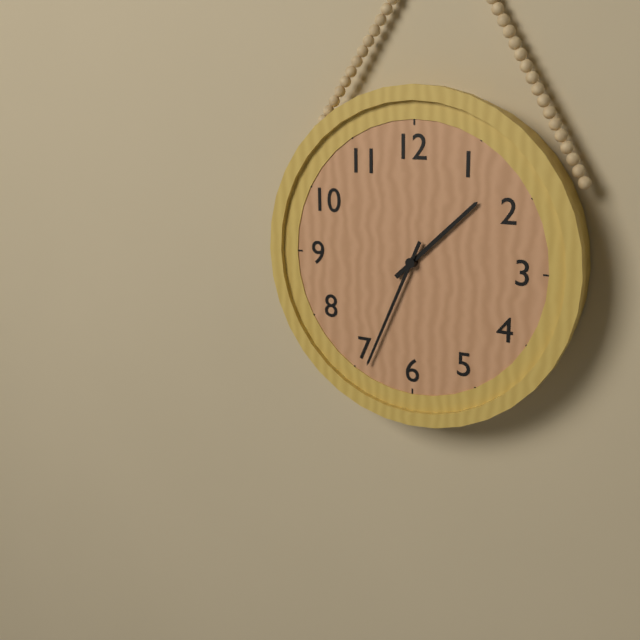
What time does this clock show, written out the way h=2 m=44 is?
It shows h=1 m=34
